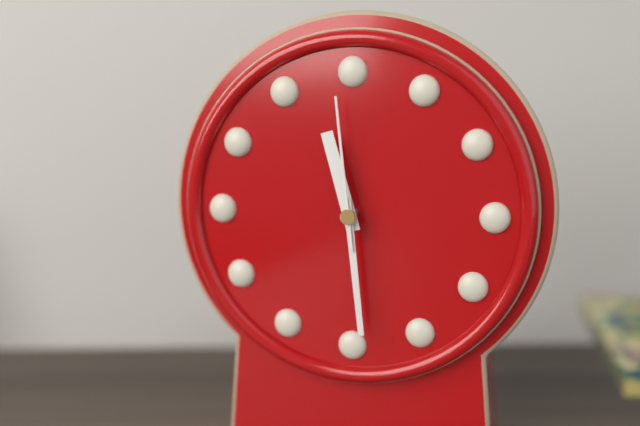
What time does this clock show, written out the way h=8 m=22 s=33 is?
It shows h=11 m=29 s=59
